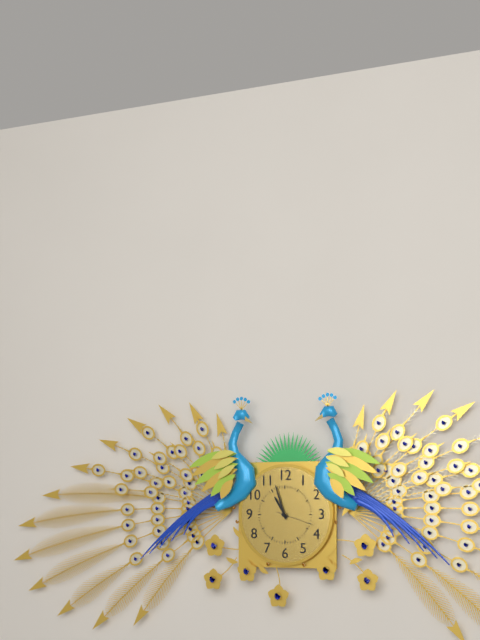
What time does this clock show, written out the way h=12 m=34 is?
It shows h=10 m=57
